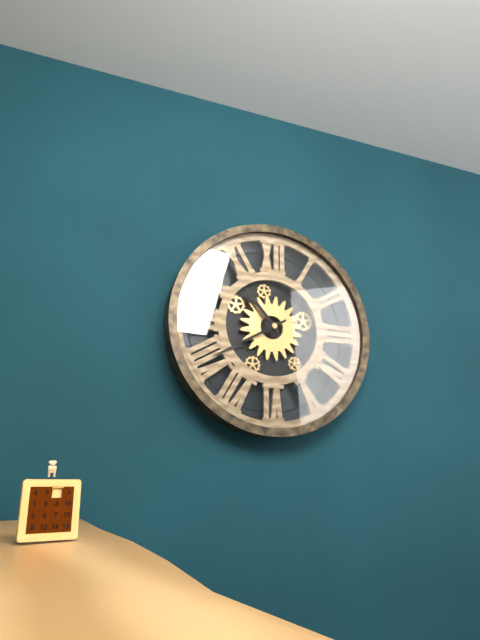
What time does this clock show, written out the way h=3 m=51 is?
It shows h=10 m=40
